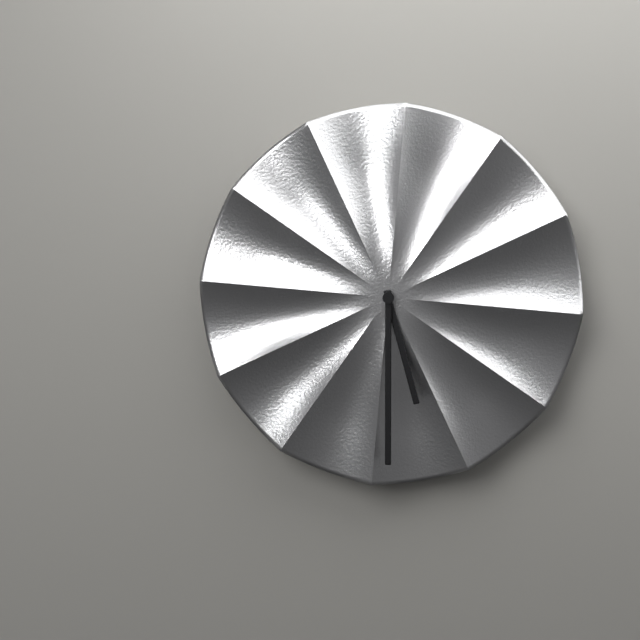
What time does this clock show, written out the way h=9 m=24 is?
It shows h=5 m=30
